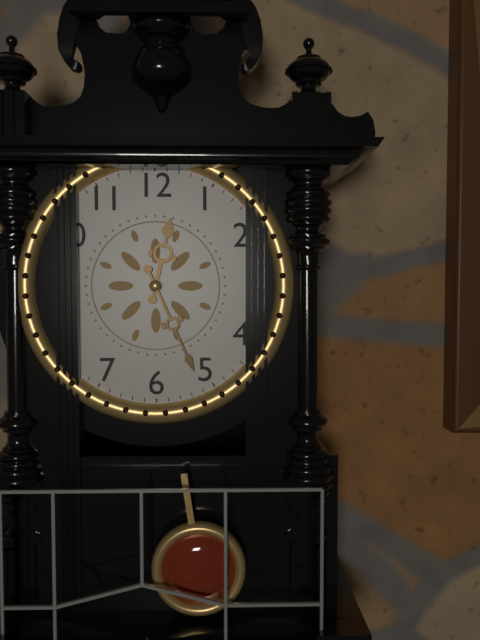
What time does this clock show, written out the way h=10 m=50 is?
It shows h=12 m=26
